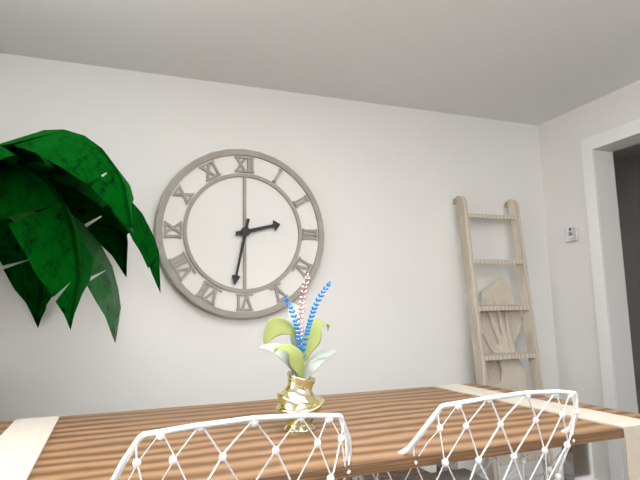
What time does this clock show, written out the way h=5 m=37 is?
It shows h=2 m=32
